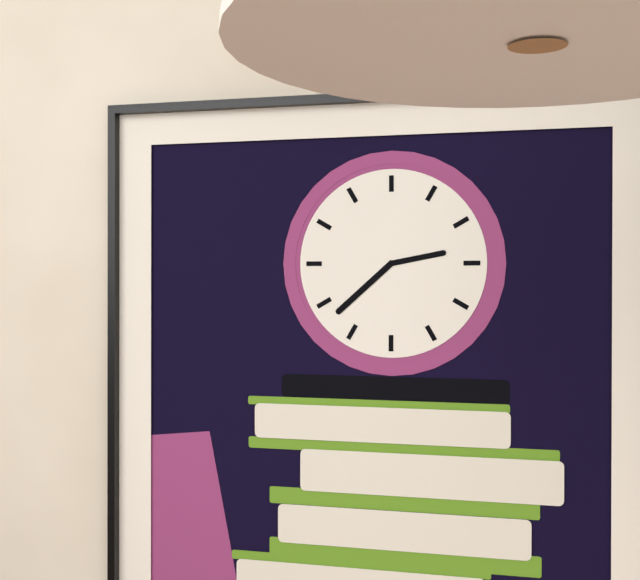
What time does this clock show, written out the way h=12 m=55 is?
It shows h=2 m=38
